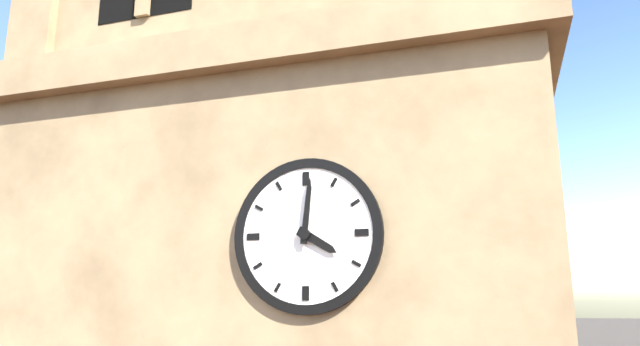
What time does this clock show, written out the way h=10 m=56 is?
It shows h=4 m=1
